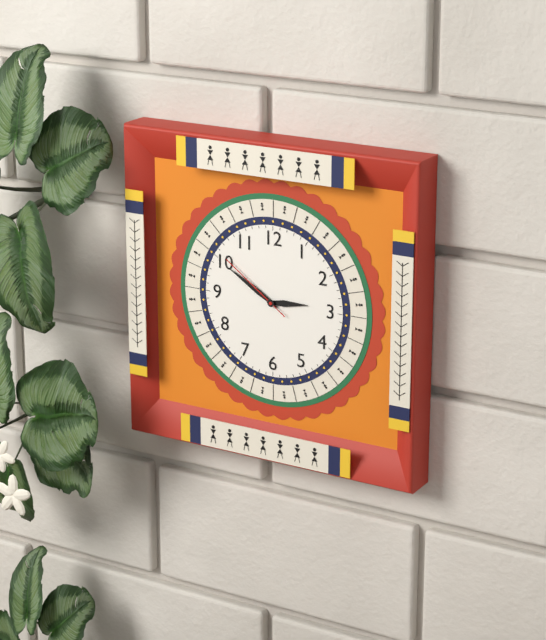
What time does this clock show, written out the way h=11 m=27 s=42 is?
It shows h=2 m=50 s=51
